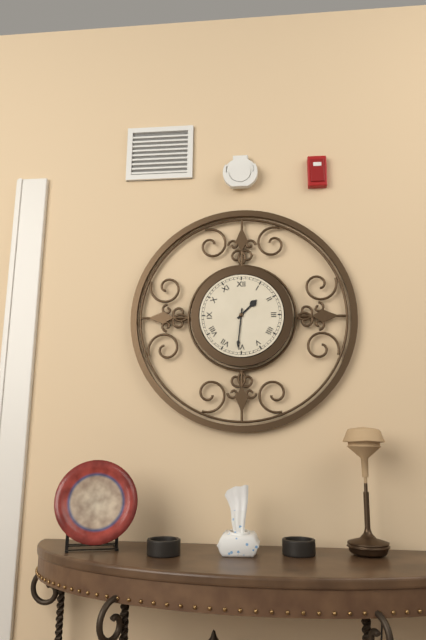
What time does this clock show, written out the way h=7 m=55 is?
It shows h=1 m=31
